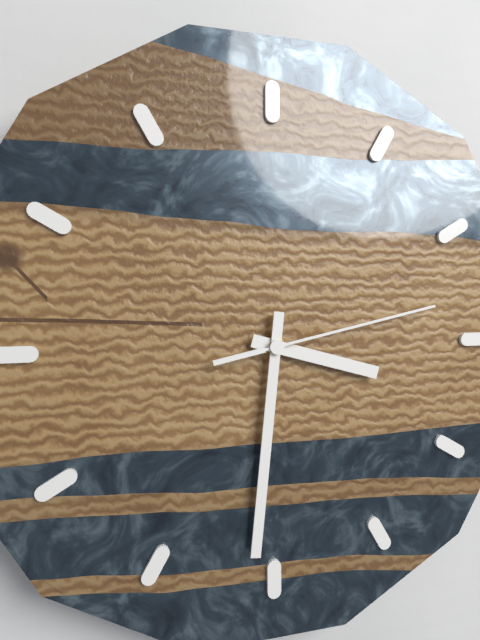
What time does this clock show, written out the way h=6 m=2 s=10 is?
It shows h=3 m=31 s=13
